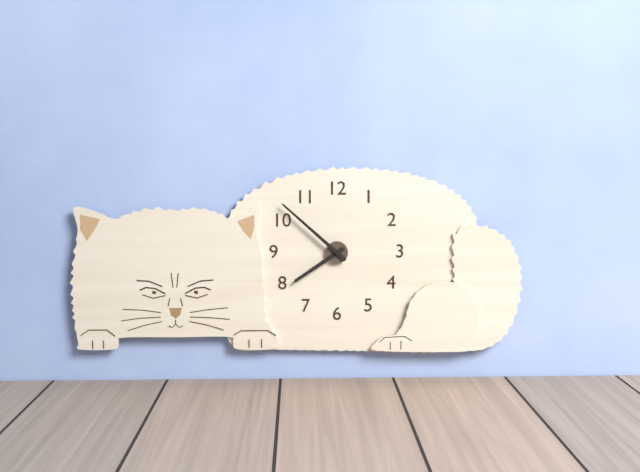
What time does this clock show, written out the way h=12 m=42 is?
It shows h=7 m=52
